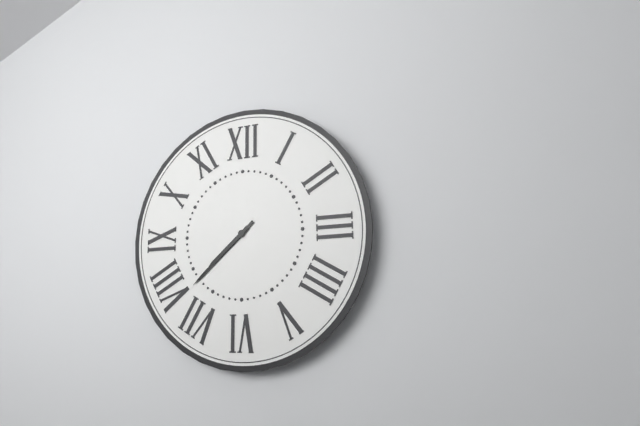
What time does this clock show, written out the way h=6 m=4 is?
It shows h=7 m=38
